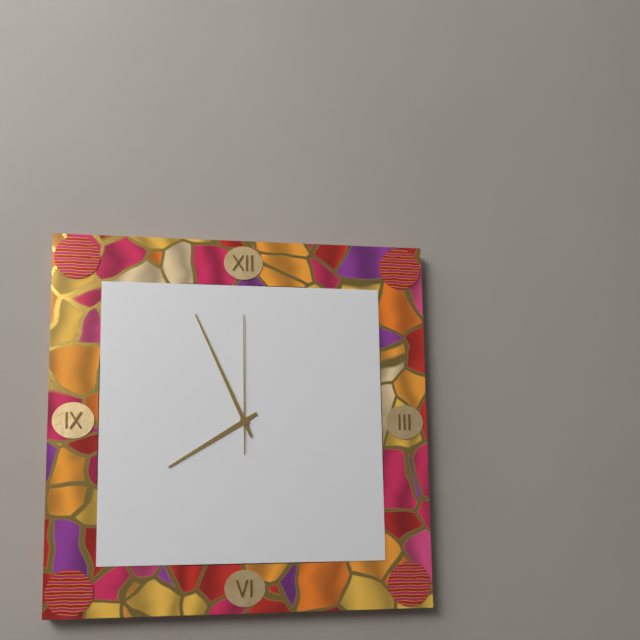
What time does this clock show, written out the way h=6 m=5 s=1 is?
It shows h=7 m=56 s=0
